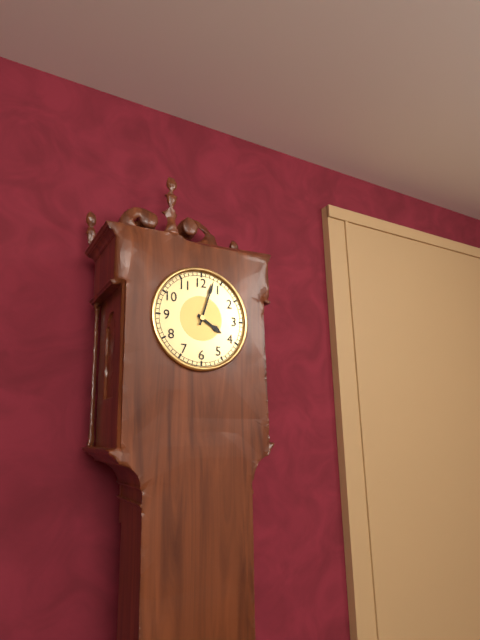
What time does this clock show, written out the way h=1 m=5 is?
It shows h=4 m=3
